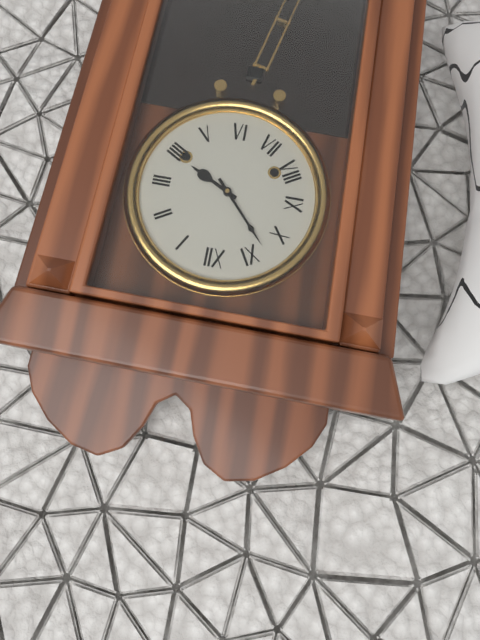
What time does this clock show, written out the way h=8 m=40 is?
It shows h=3 m=53
